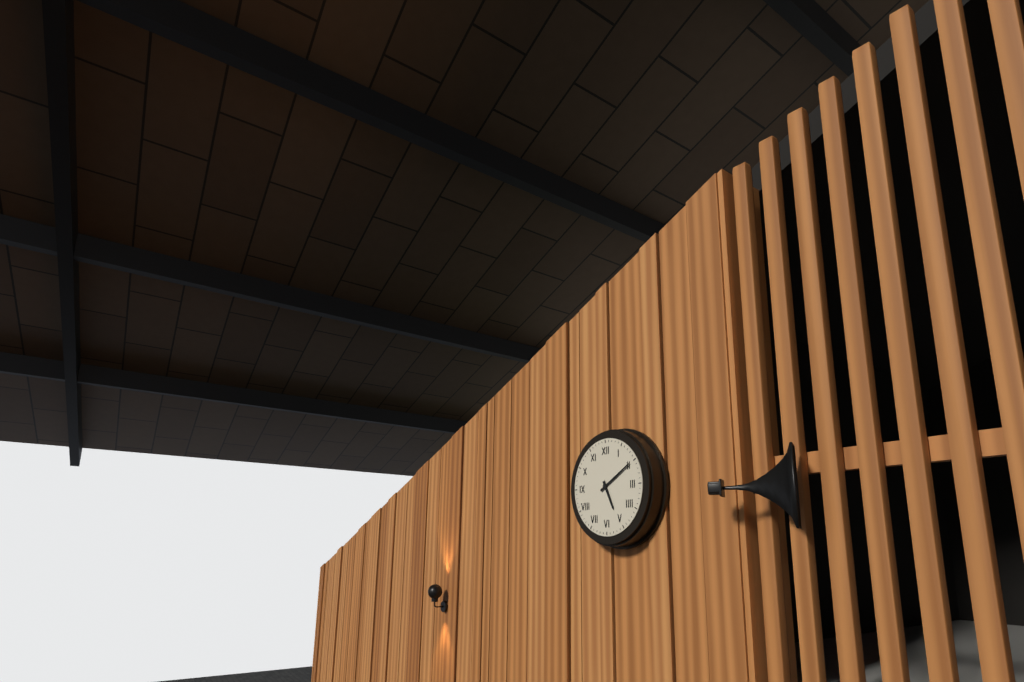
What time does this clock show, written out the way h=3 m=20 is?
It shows h=5 m=10
